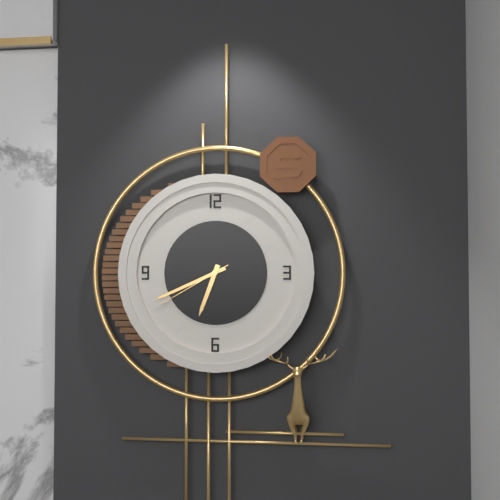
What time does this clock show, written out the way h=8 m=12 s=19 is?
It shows h=6 m=41 s=40
